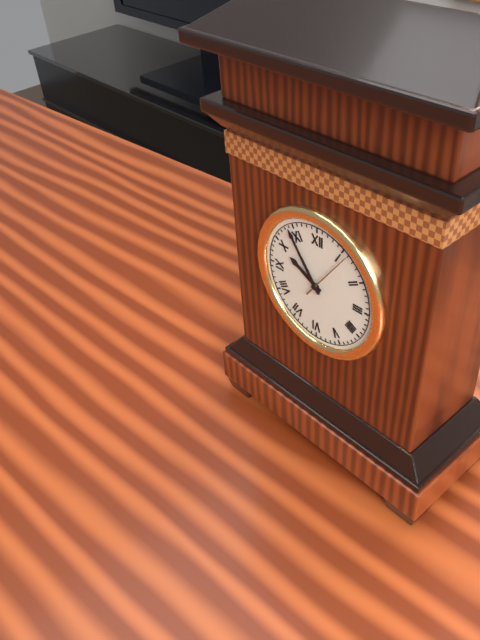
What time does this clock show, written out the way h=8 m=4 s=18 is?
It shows h=9 m=54 s=6
